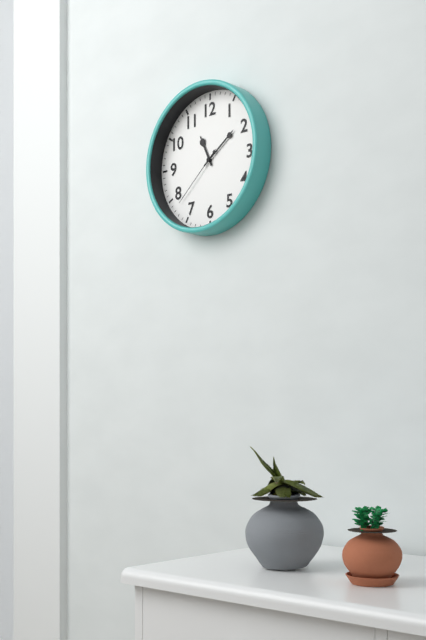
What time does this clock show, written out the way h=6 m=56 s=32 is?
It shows h=11 m=9 s=38
